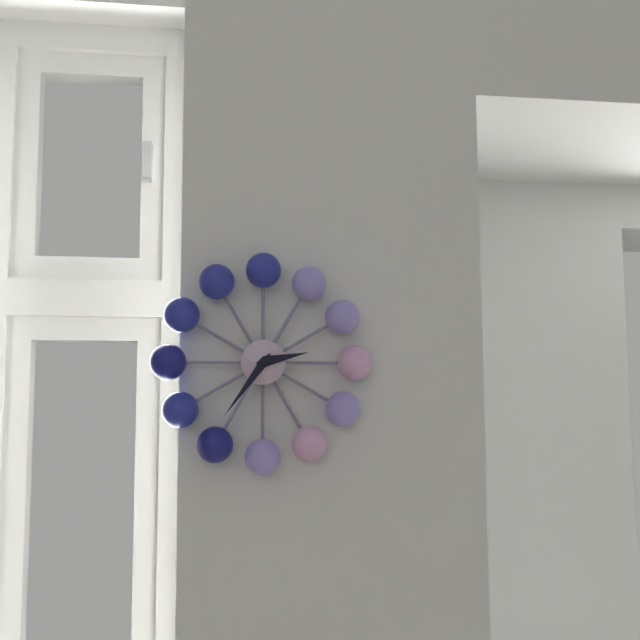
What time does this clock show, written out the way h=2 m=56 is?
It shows h=2 m=36
